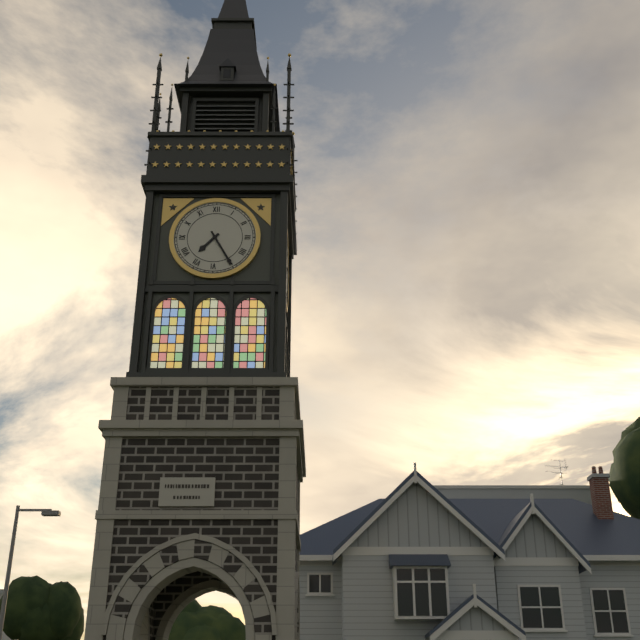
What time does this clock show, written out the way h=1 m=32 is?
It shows h=7 m=25
